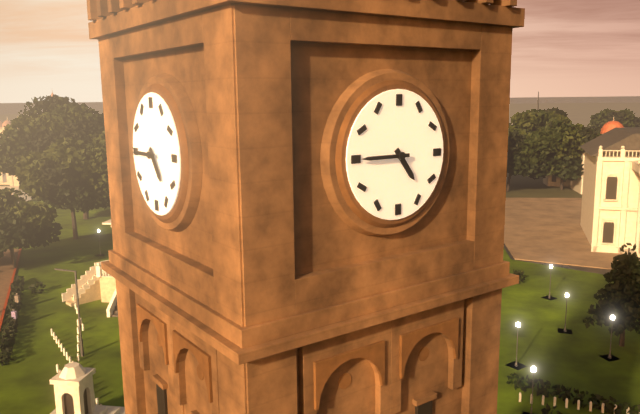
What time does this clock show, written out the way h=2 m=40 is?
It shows h=4 m=45
